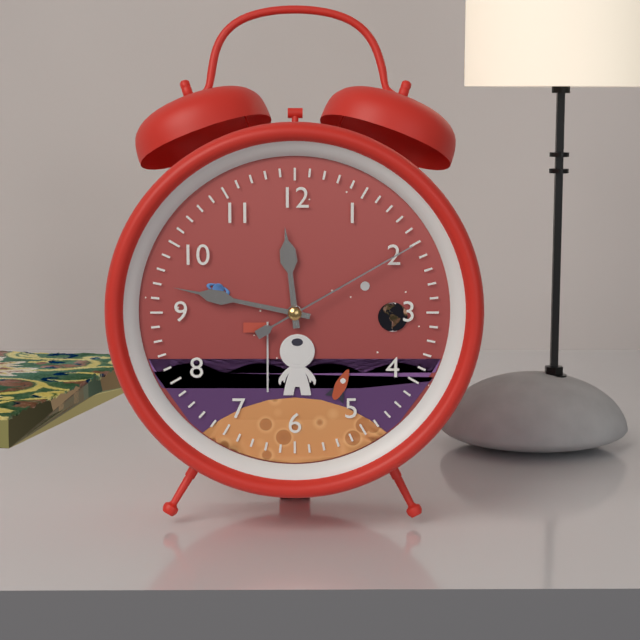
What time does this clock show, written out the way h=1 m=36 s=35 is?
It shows h=11 m=47 s=10
